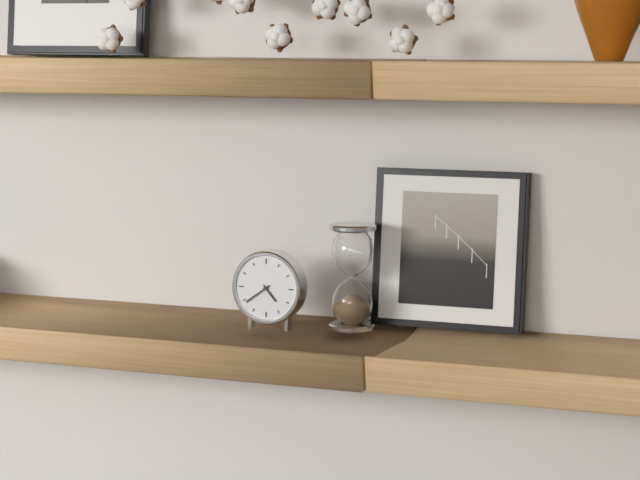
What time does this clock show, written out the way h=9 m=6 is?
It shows h=4 m=39
